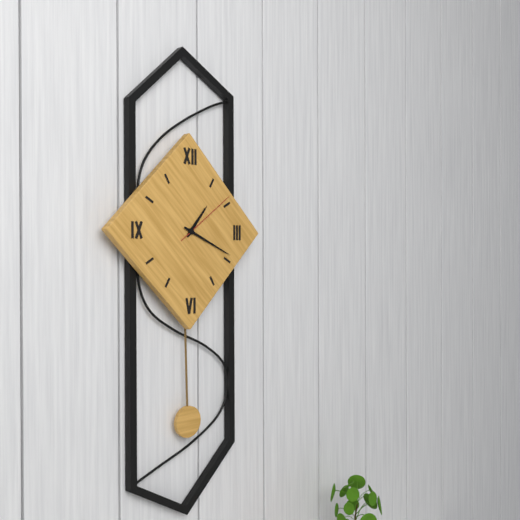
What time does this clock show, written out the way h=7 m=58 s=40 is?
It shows h=1 m=19 s=9
